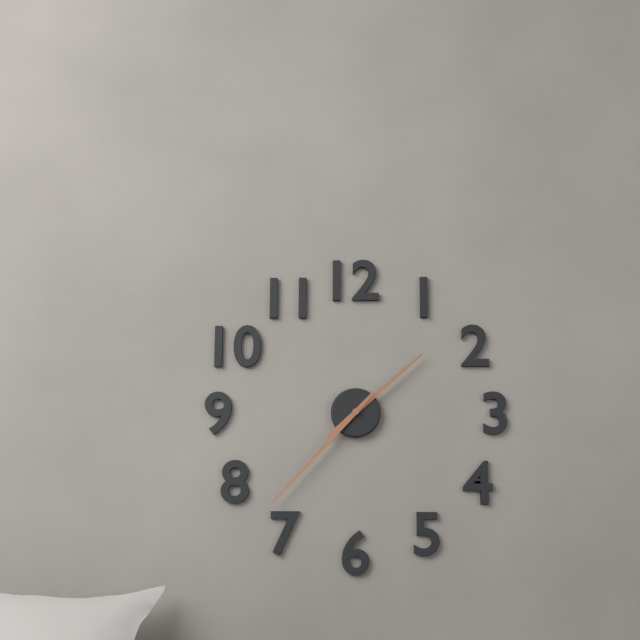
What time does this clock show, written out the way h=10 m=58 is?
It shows h=1 m=37
